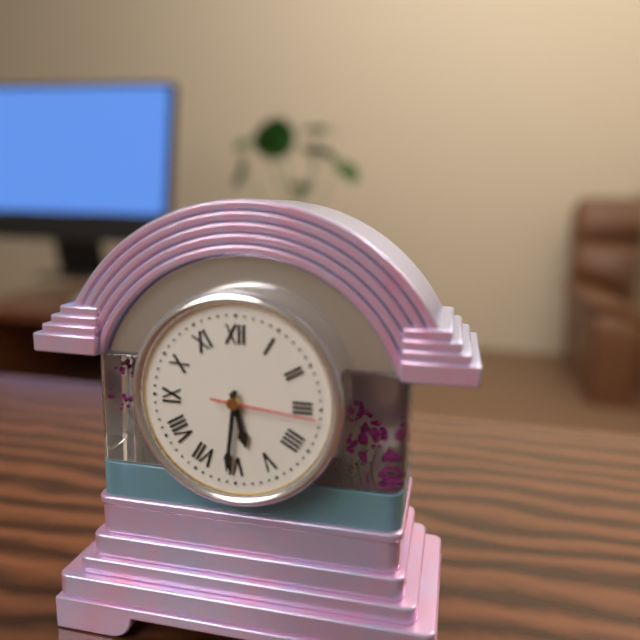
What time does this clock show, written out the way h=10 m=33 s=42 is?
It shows h=5 m=31 s=16
